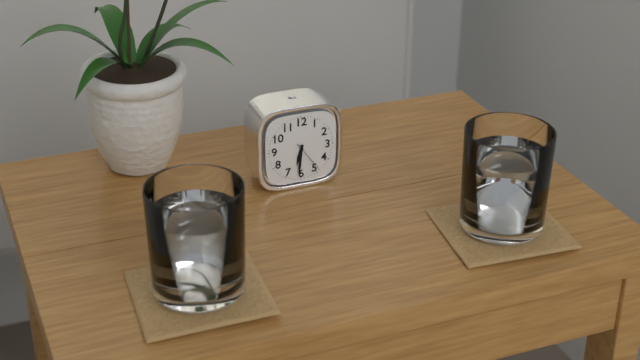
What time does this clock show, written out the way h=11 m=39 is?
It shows h=6 m=31
